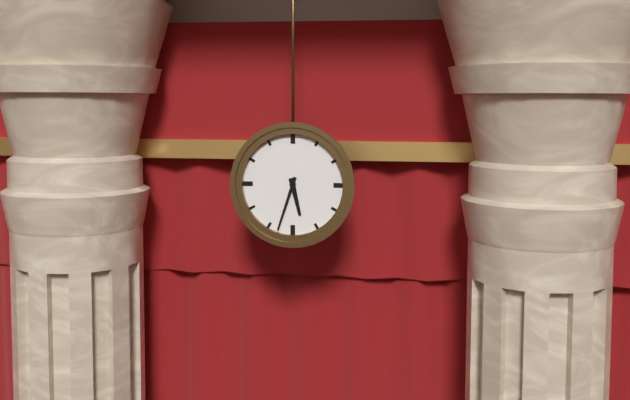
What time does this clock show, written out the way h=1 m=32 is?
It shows h=5 m=33
